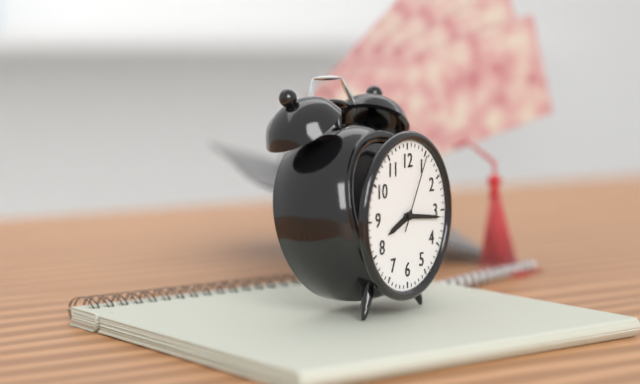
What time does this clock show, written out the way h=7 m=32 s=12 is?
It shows h=8 m=16 s=5
